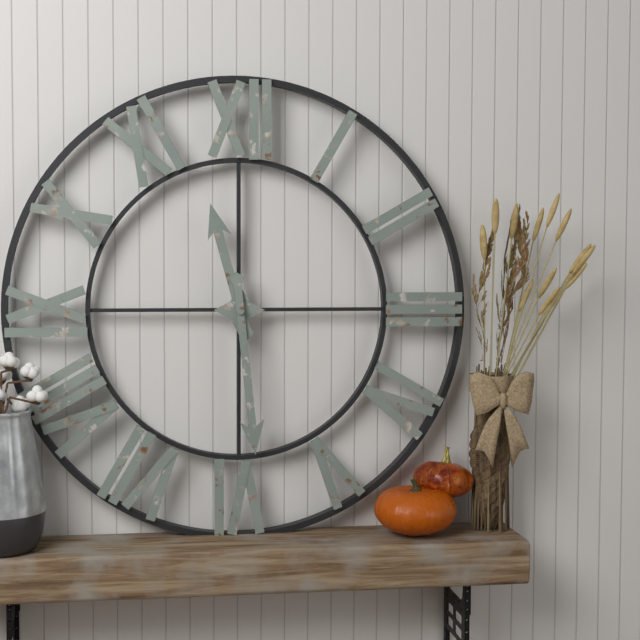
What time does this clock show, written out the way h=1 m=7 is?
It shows h=11 m=29
